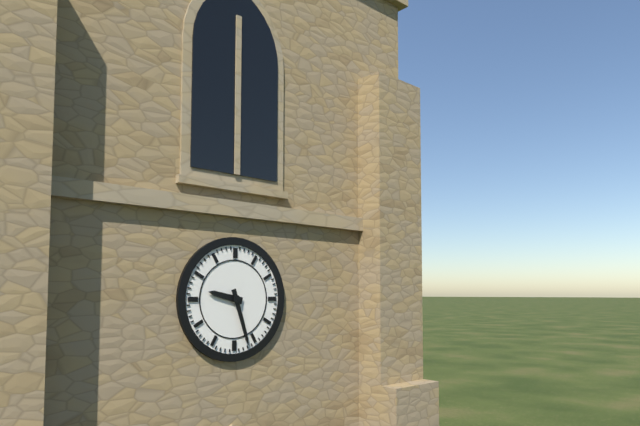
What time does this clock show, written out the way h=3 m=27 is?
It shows h=9 m=27
